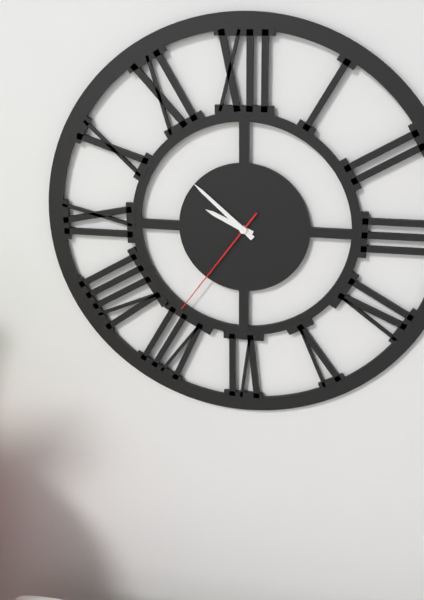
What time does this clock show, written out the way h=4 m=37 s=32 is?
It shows h=9 m=52 s=36
